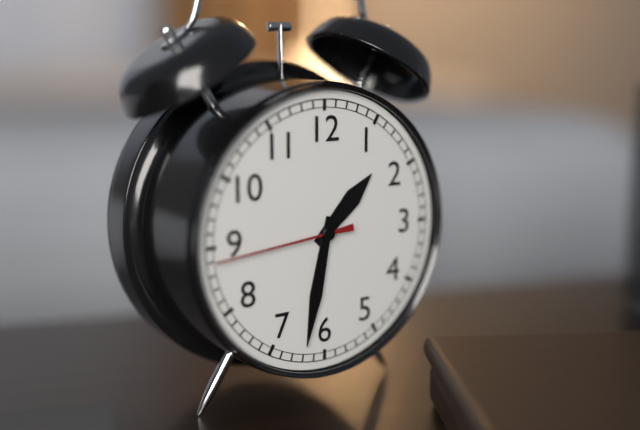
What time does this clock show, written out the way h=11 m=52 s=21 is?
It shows h=1 m=32 s=44
